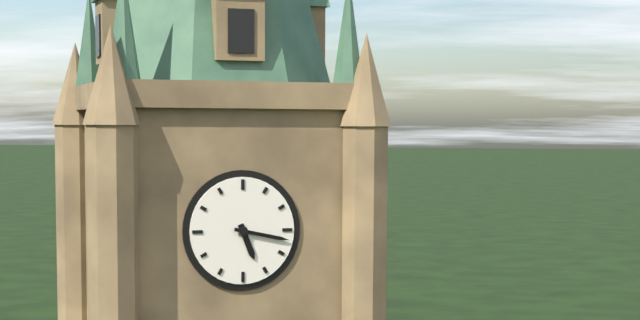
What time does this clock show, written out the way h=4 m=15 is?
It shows h=5 m=17
